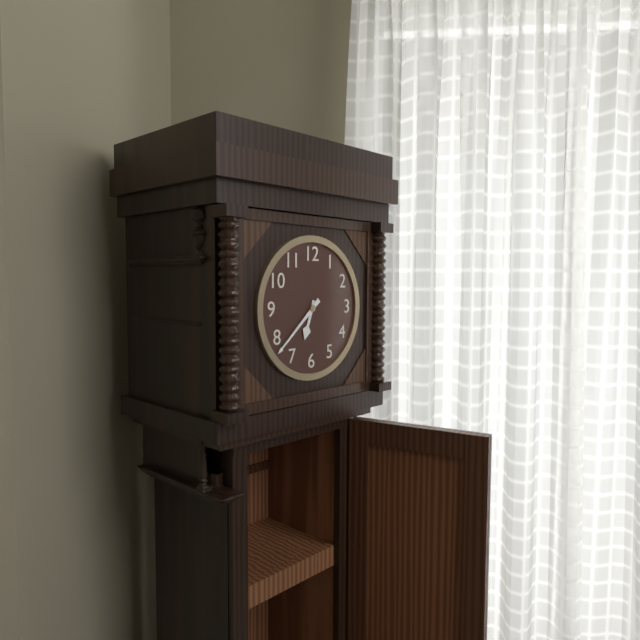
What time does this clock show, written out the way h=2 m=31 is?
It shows h=6 m=38
